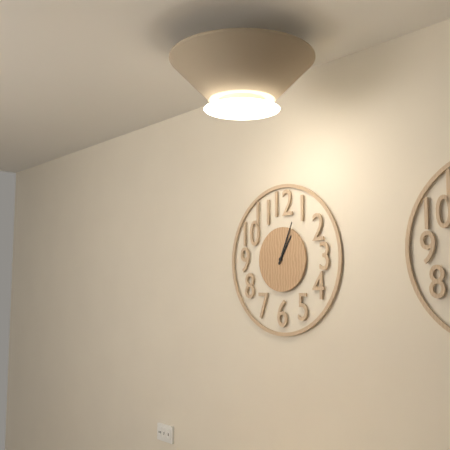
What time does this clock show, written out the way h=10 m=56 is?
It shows h=1 m=4
